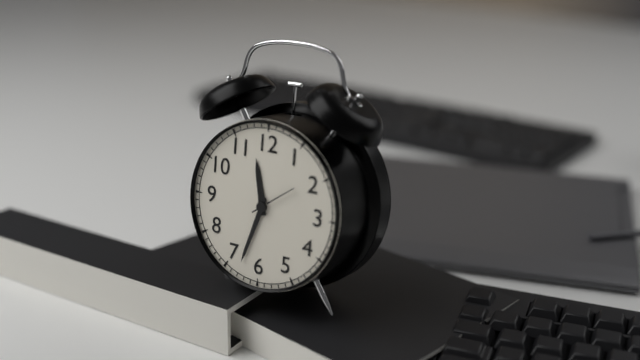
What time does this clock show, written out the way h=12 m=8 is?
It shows h=11 m=33
